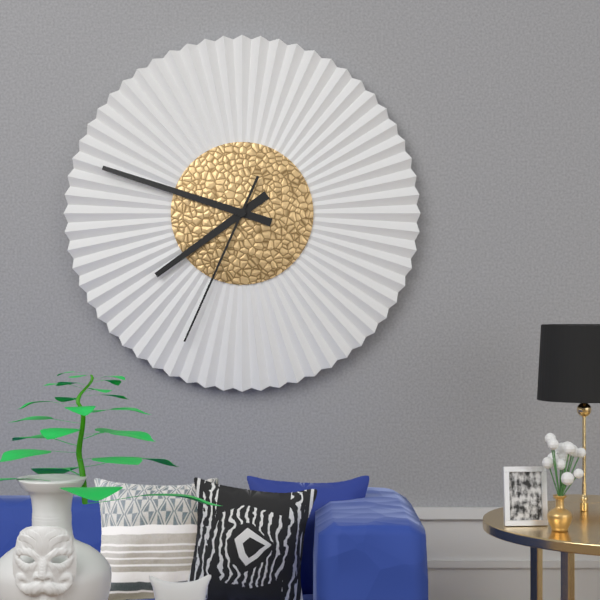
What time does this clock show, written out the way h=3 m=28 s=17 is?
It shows h=7 m=48 s=34
